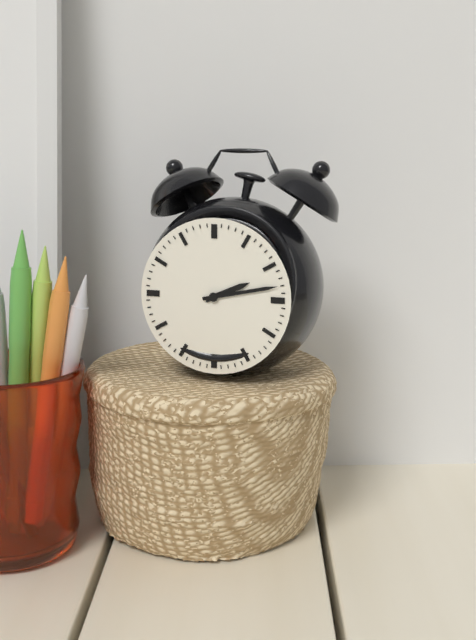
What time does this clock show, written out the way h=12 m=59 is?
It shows h=2 m=13
